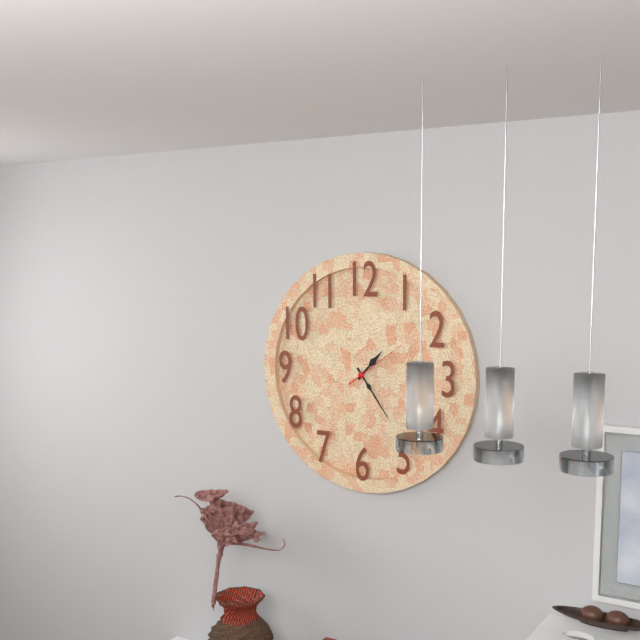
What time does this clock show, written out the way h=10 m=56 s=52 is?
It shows h=1 m=24 s=9
